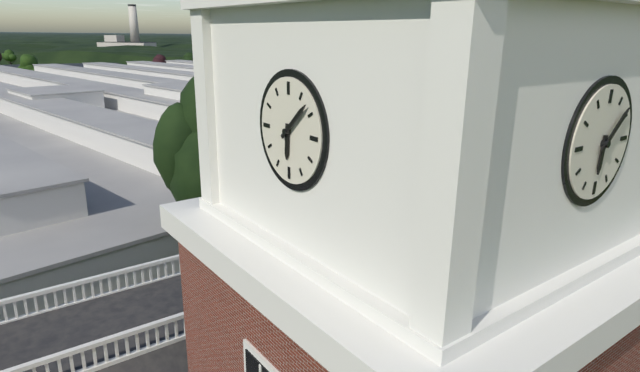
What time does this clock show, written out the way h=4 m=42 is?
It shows h=6 m=8
